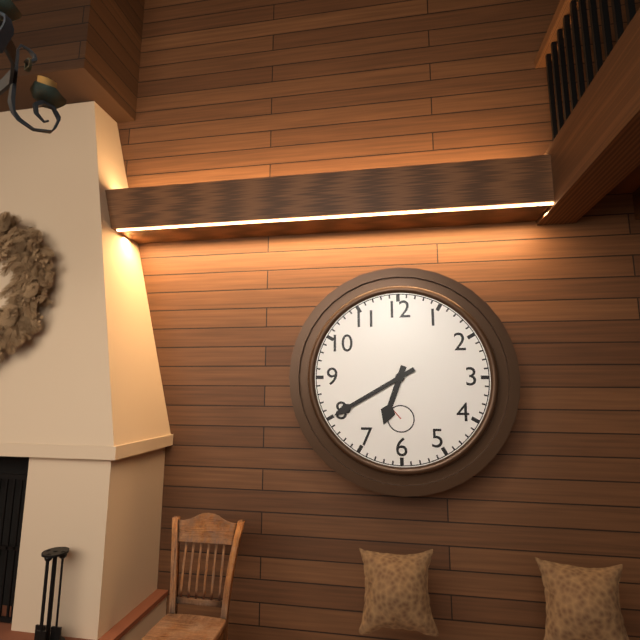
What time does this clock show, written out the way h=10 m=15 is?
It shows h=6 m=40
